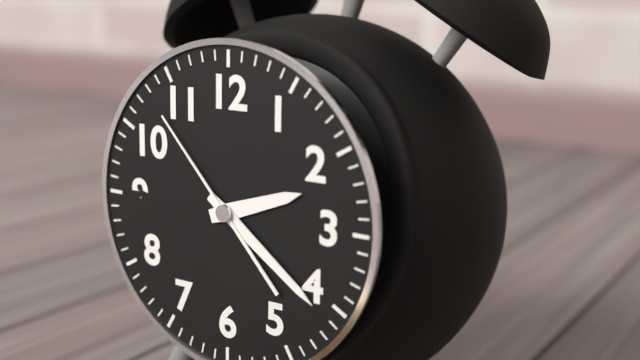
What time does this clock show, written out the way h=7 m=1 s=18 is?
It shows h=2 m=21 s=53
